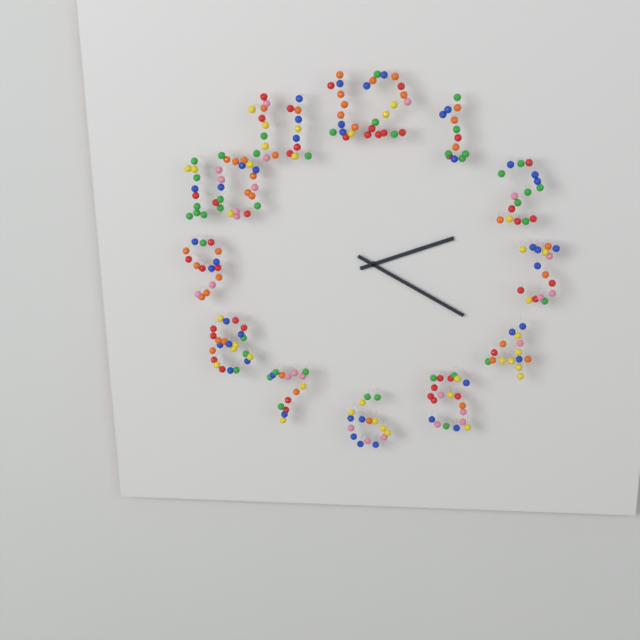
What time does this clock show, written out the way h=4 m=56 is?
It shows h=2 m=20
